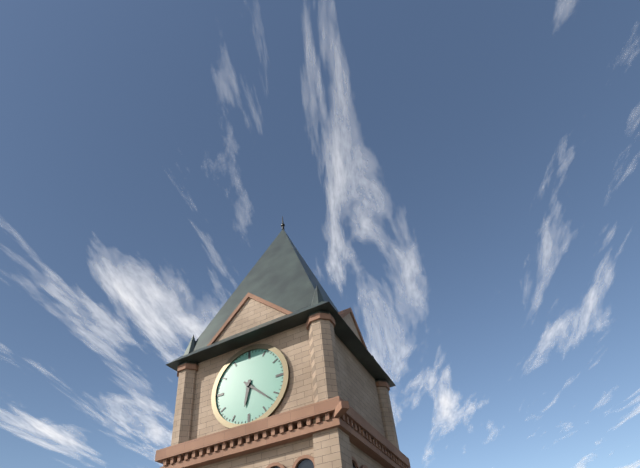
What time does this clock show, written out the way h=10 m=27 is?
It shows h=6 m=22
